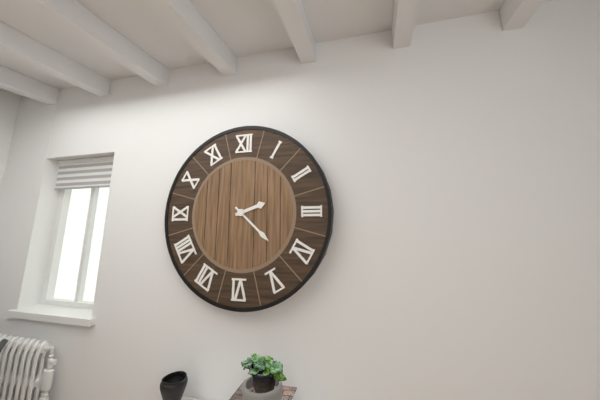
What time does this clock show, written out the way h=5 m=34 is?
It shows h=2 m=22
